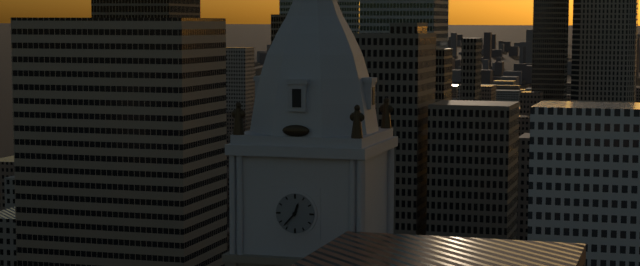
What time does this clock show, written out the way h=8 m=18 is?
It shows h=12 m=37
